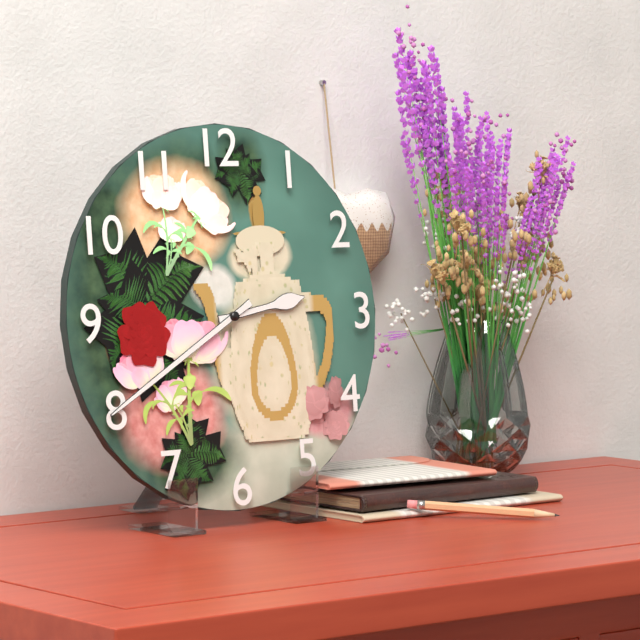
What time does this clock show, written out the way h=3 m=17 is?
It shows h=2 m=40
